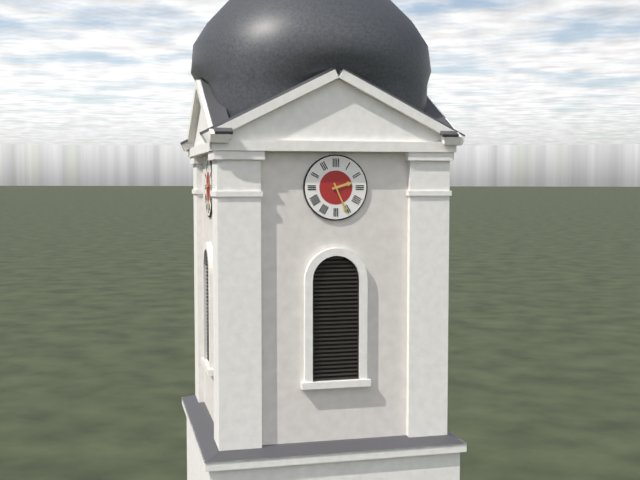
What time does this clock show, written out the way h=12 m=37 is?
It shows h=2 m=26
